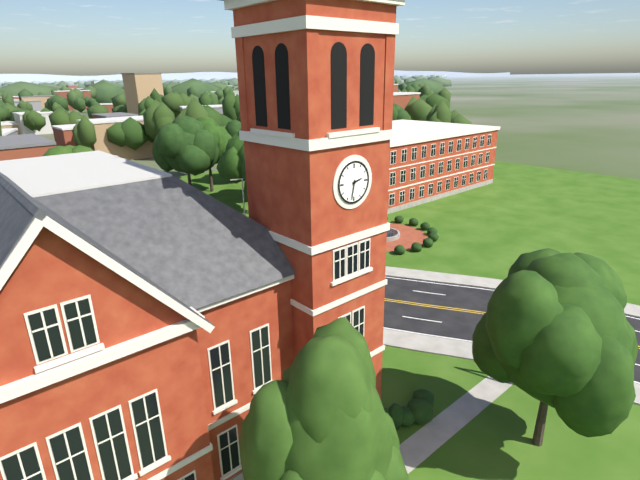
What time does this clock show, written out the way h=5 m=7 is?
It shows h=2 m=32
